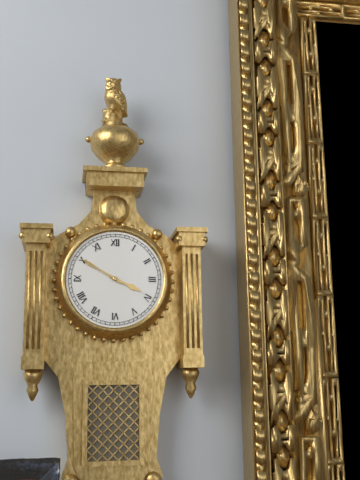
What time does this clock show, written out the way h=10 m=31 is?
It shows h=3 m=50
